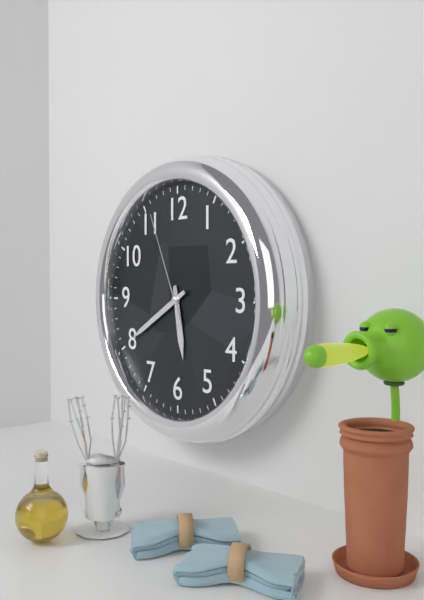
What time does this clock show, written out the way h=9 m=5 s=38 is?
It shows h=5 m=40 s=56
